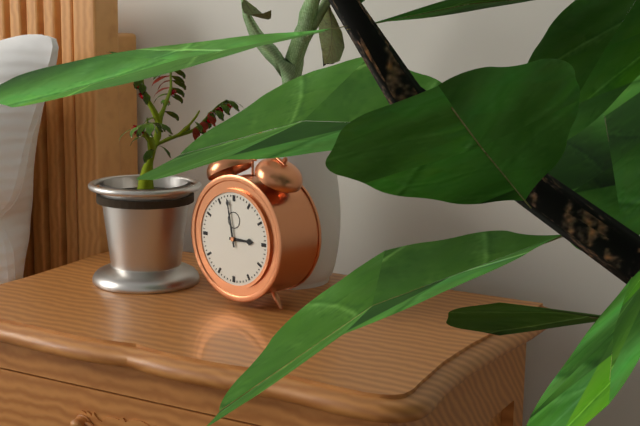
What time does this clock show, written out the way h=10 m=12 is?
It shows h=2 m=58
